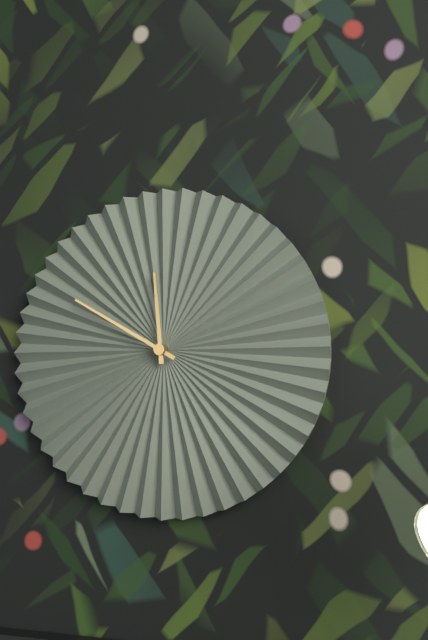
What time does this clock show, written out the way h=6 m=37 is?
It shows h=11 m=50
